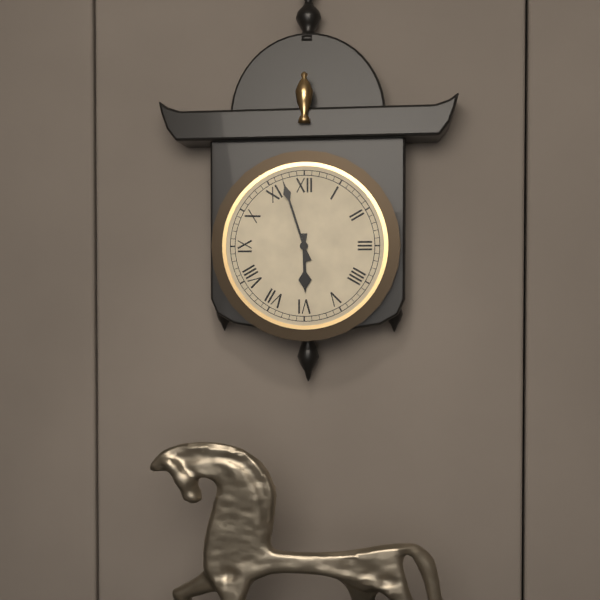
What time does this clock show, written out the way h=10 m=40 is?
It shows h=5 m=57
